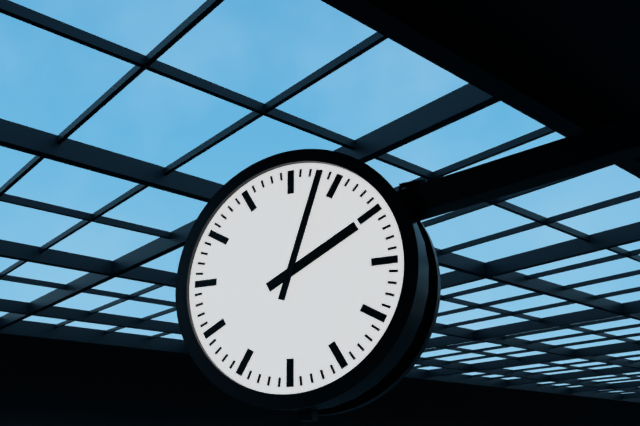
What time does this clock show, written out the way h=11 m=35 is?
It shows h=2 m=3
